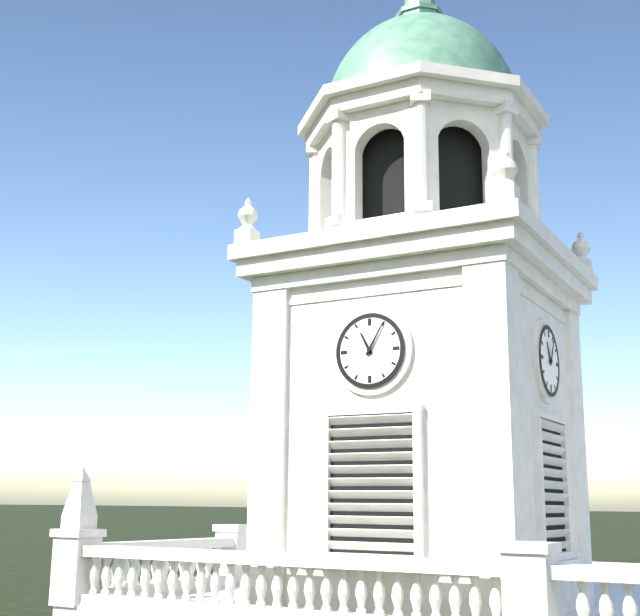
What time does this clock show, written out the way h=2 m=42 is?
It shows h=11 m=5
